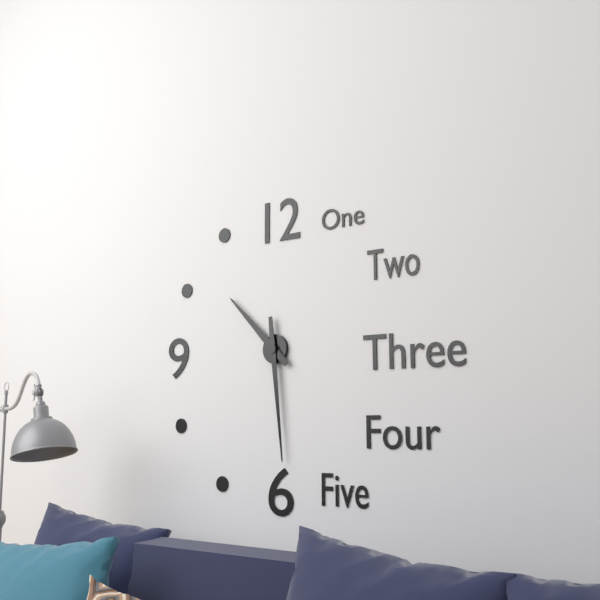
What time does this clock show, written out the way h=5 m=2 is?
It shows h=10 m=29
